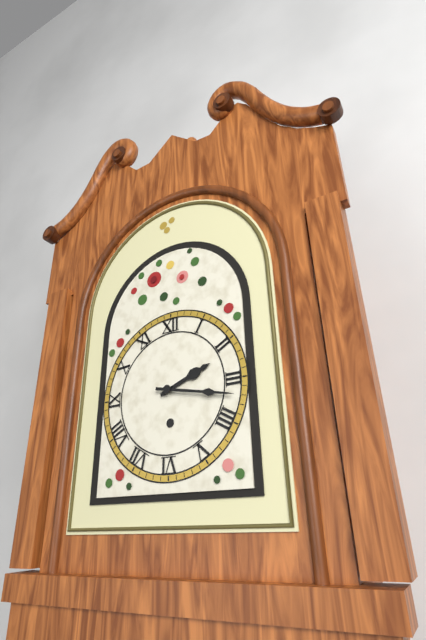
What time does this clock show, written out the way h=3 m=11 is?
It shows h=2 m=17
